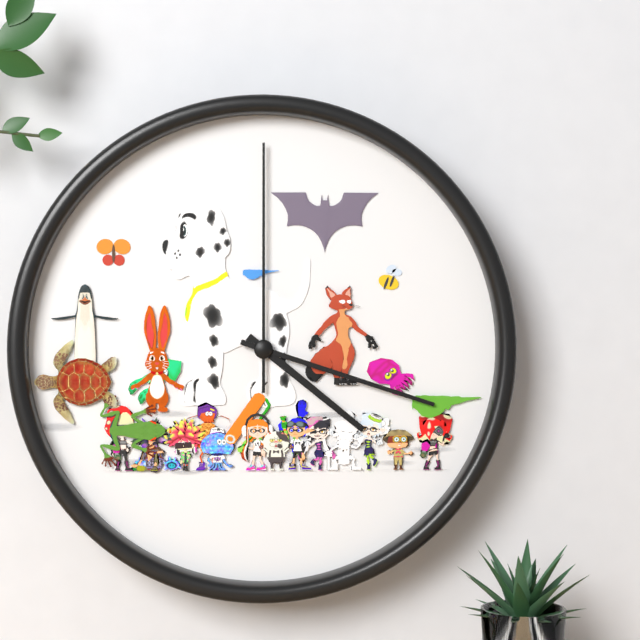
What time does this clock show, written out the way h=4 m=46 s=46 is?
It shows h=4 m=18 s=0
